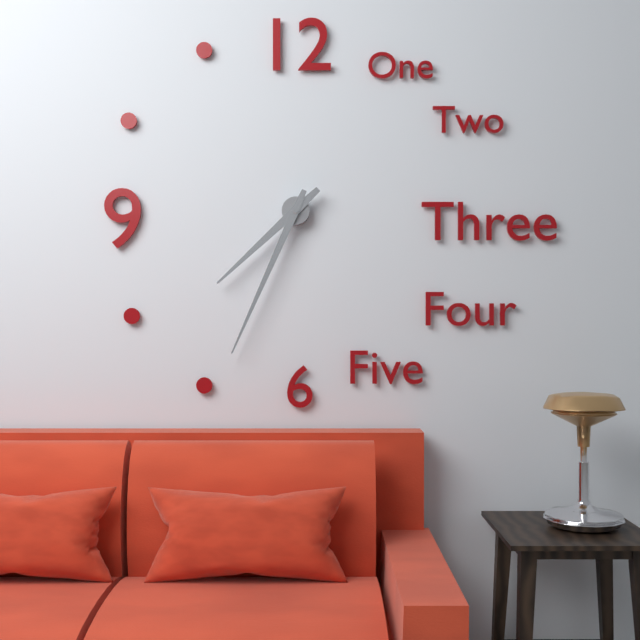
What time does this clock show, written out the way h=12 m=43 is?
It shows h=7 m=34
